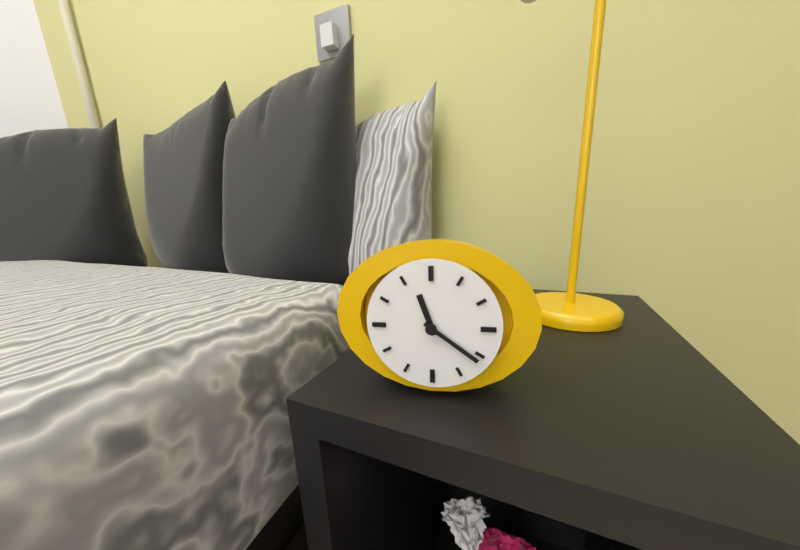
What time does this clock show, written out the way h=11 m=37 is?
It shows h=11 m=21
